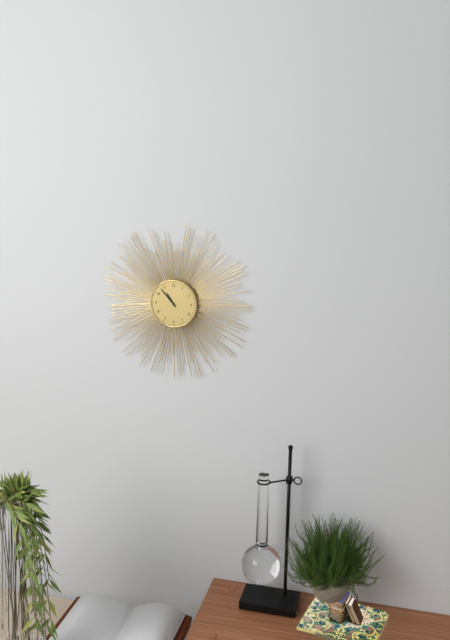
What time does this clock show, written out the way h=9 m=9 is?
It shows h=10 m=53
